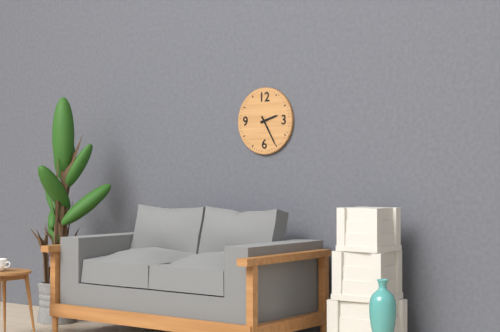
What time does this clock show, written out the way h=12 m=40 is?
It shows h=2 m=25
